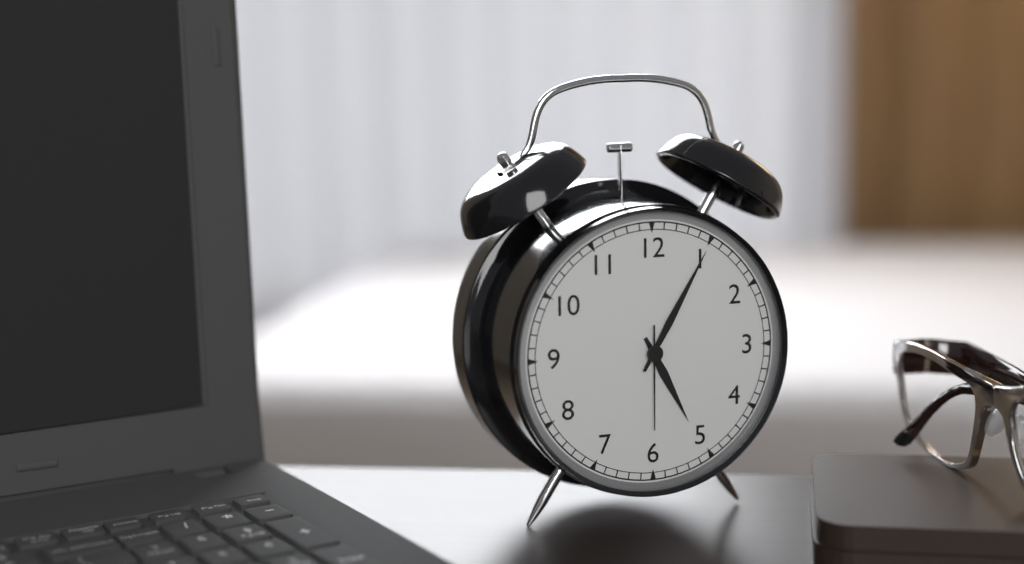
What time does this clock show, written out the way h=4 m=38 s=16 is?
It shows h=5 m=5 s=30
